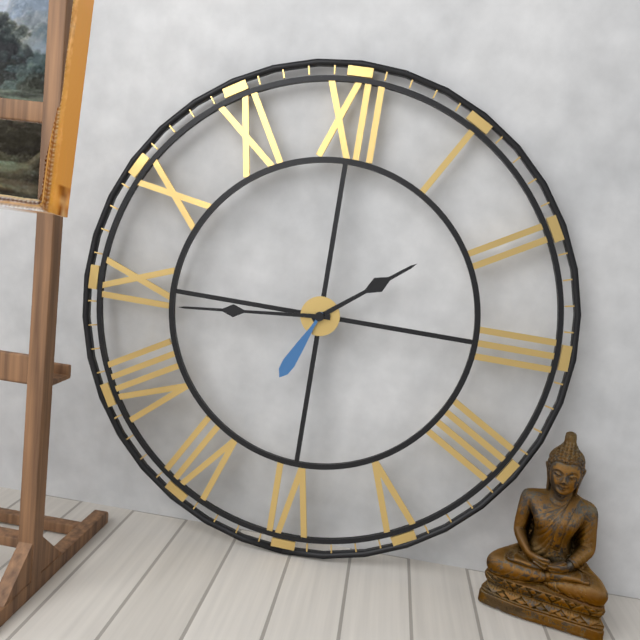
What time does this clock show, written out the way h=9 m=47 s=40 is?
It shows h=1 m=44 s=34
